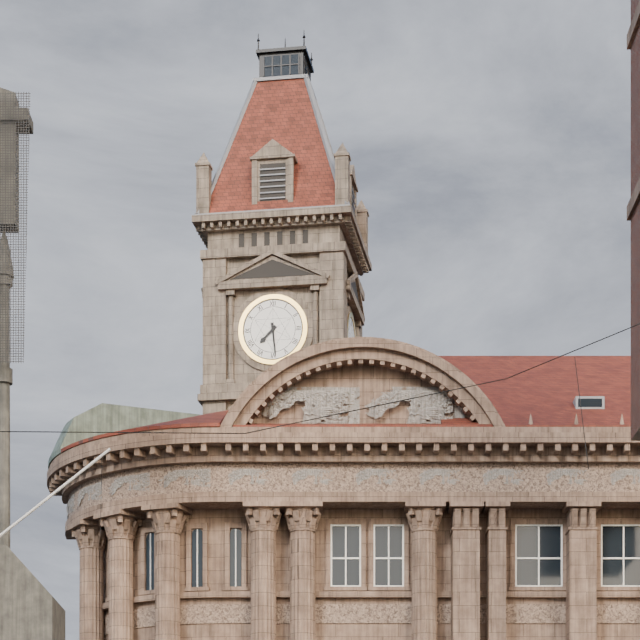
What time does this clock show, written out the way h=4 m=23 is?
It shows h=7 m=29
